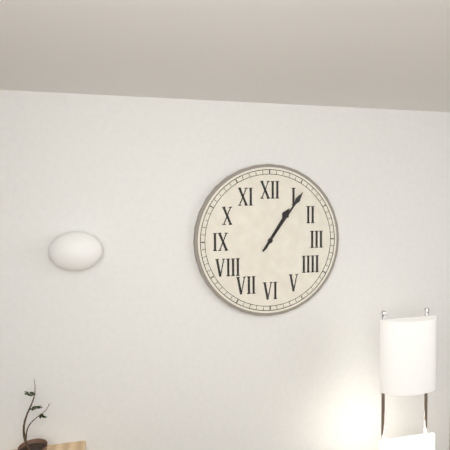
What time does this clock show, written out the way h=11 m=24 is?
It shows h=1 m=6
